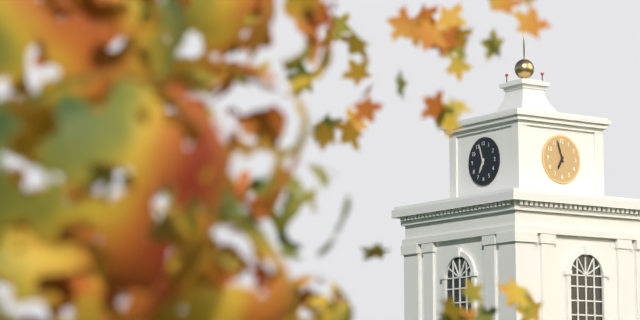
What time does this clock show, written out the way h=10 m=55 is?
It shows h=6 m=57
